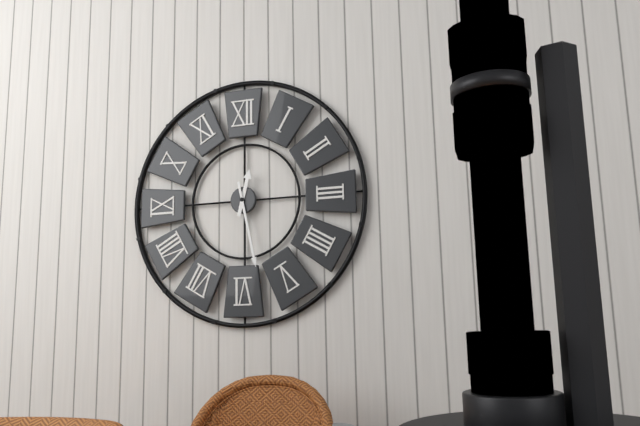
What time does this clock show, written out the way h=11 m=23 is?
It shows h=12 m=28
